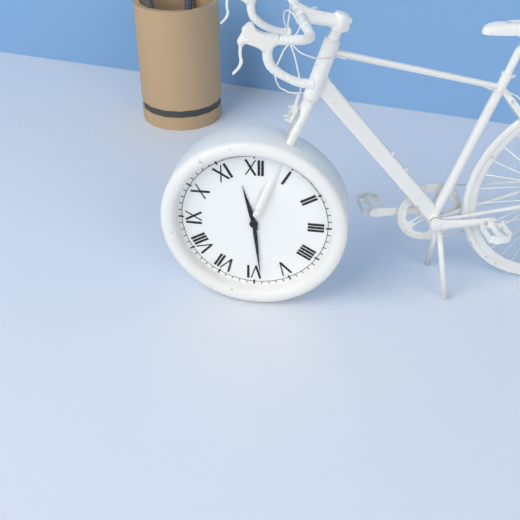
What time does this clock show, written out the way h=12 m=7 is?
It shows h=11 m=29
